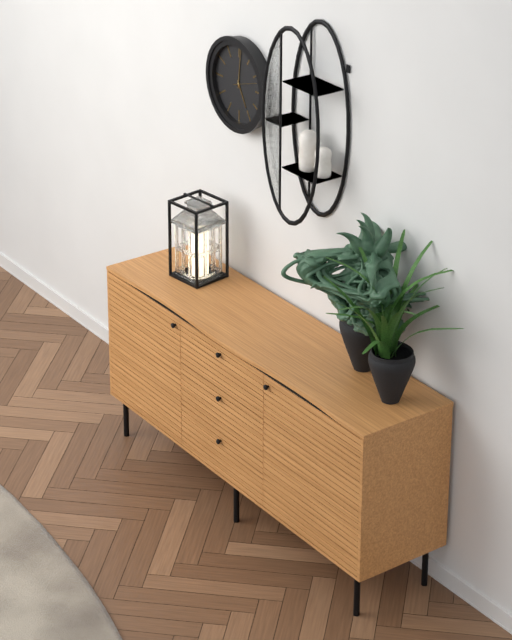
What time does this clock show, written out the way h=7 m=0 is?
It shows h=5 m=1
